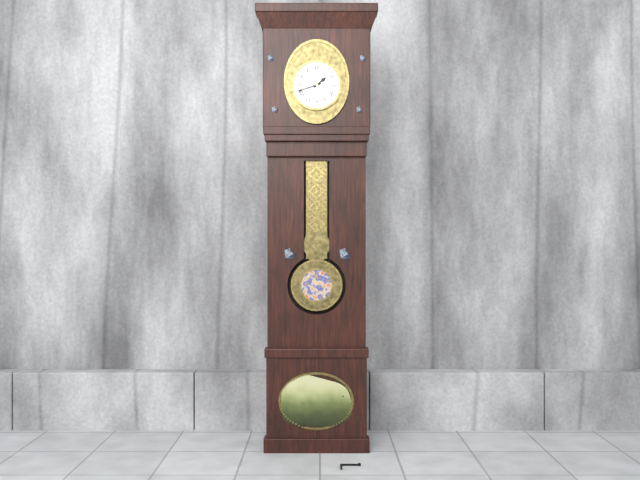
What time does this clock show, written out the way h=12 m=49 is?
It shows h=1 m=42
